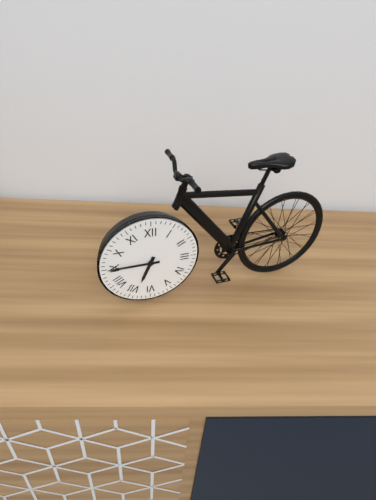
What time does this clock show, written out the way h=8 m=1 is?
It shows h=6 m=45
